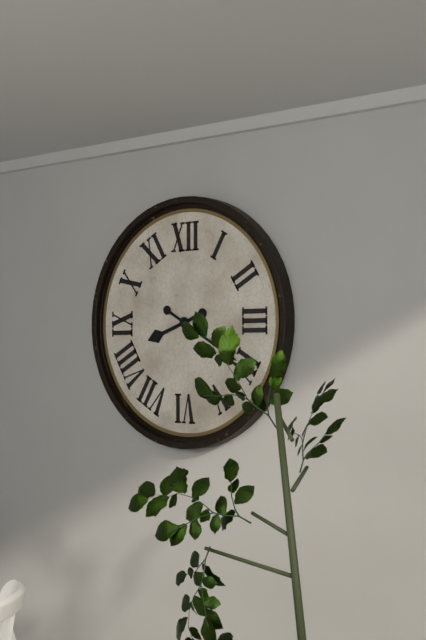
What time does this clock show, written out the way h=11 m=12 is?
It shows h=8 m=20
